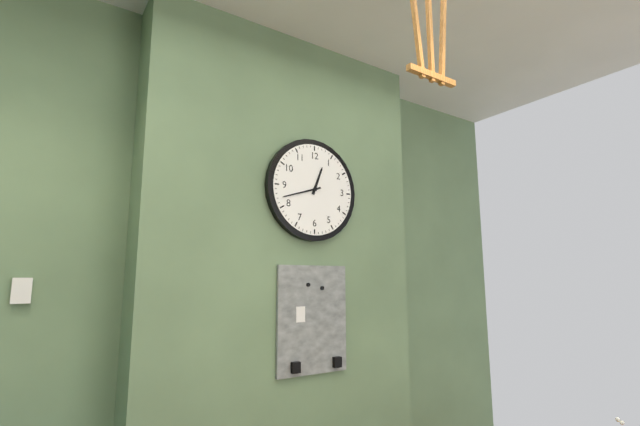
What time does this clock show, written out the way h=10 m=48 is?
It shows h=12 m=42
